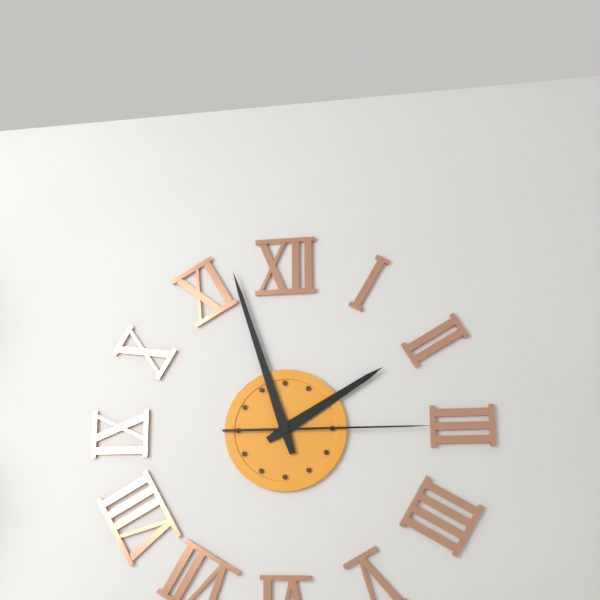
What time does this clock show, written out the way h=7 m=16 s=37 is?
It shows h=1 m=57 s=15
